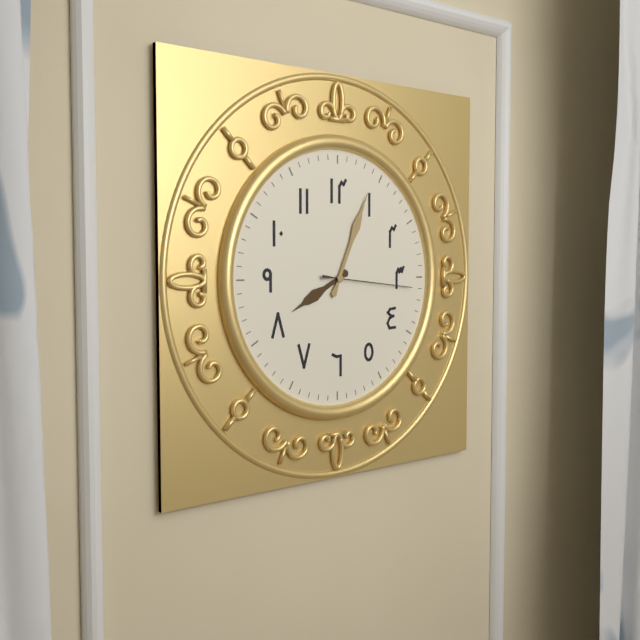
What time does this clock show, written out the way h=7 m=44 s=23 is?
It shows h=8 m=4 s=16
